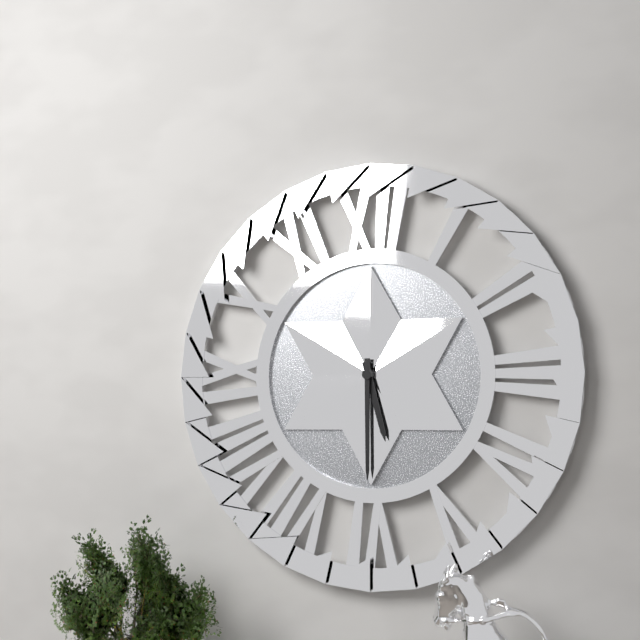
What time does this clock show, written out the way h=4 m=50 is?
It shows h=5 m=30
